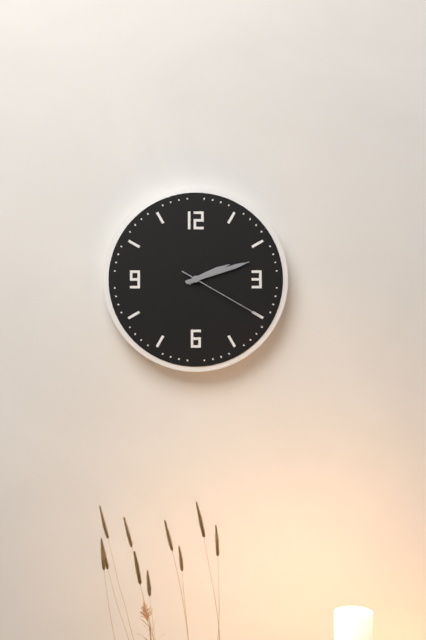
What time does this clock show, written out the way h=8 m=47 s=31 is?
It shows h=2 m=12 s=20
